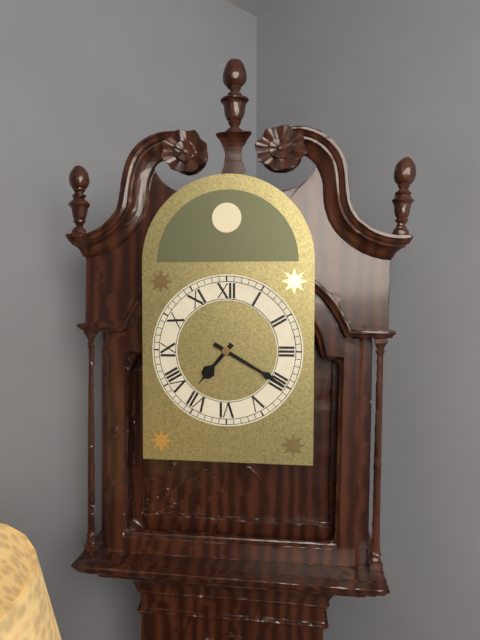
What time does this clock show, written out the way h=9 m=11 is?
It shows h=7 m=20
